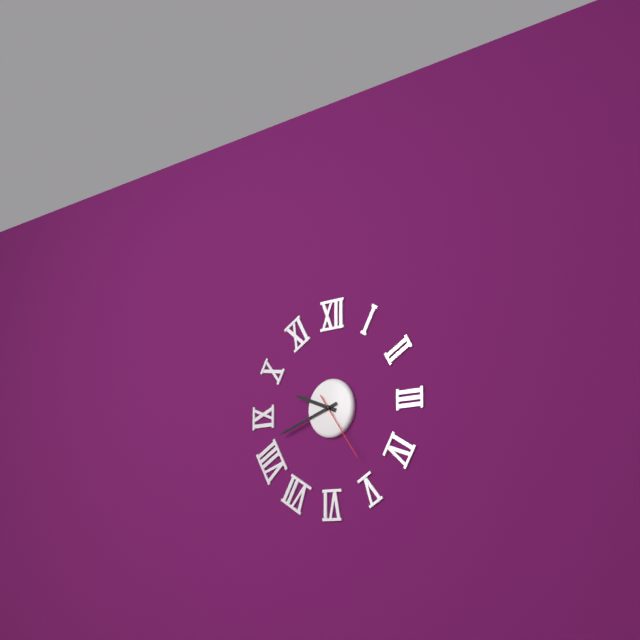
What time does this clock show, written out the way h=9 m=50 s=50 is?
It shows h=9 m=42 s=24
